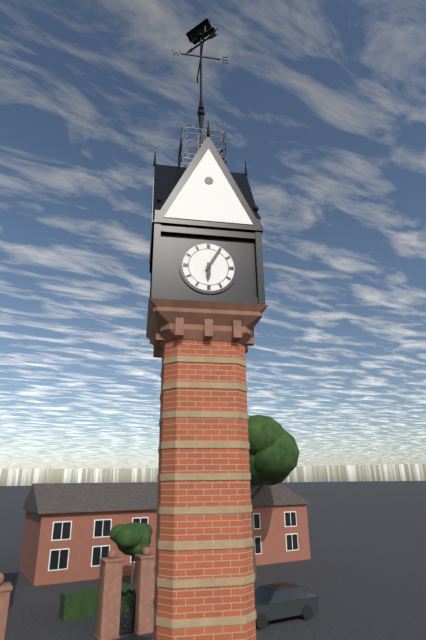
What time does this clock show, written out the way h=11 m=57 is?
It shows h=6 m=5
